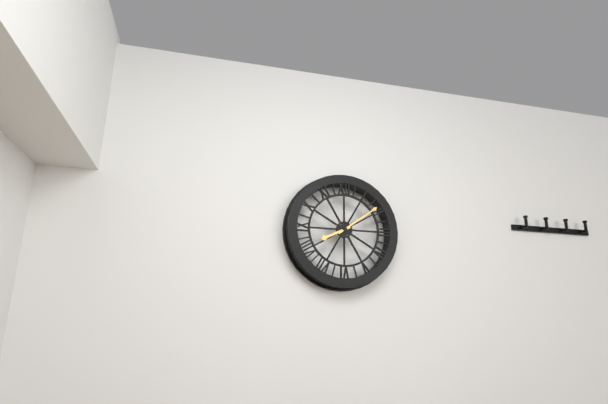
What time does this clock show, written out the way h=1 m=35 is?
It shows h=8 m=9
